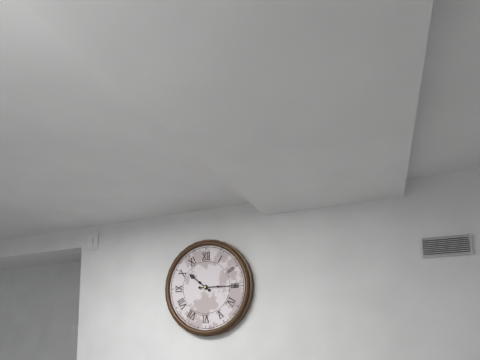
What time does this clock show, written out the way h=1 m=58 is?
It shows h=10 m=15
